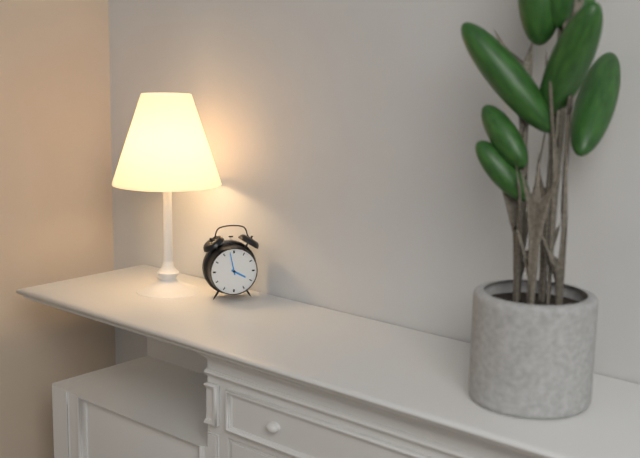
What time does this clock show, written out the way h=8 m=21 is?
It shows h=3 m=58
